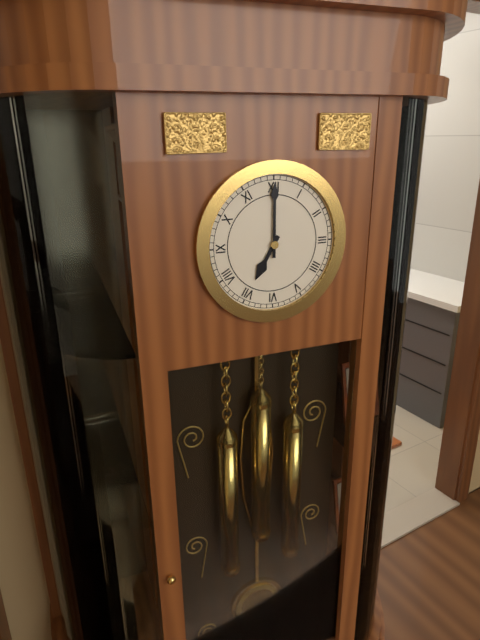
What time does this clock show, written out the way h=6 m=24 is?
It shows h=7 m=0
